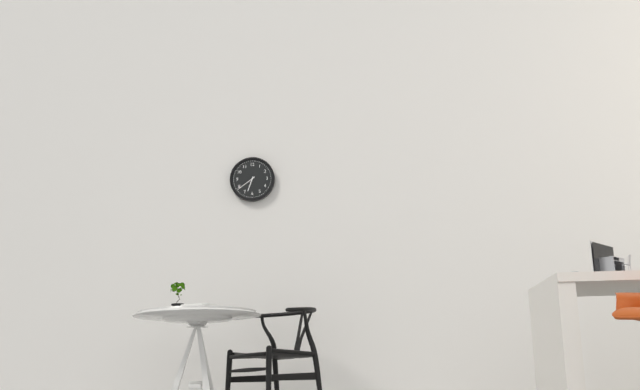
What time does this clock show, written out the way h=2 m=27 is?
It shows h=6 m=39
